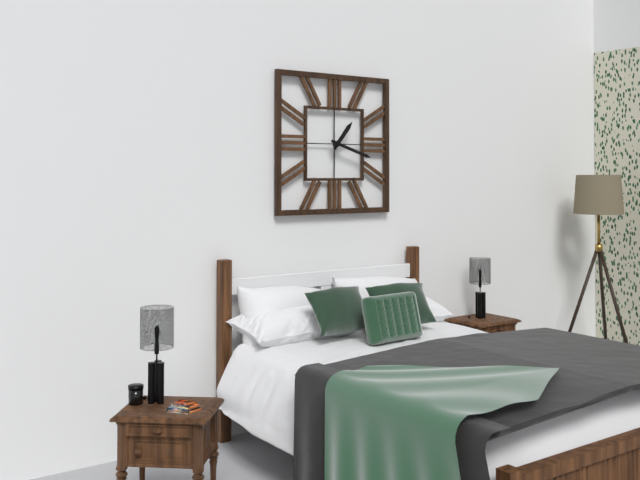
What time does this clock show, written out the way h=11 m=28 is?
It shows h=1 m=18
